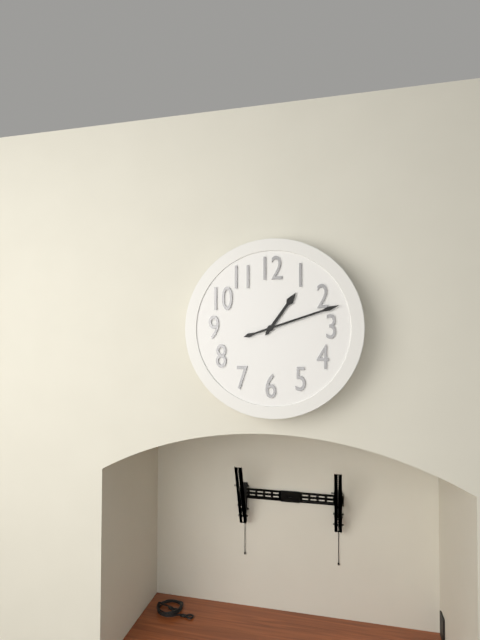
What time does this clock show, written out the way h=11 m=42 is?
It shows h=1 m=12
